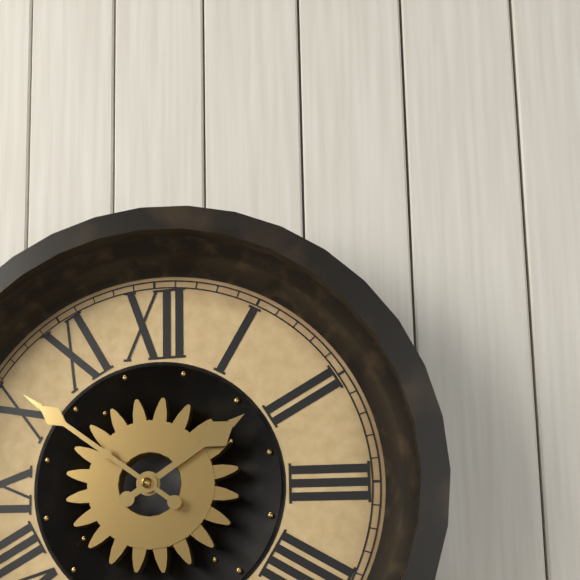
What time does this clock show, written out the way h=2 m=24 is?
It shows h=1 m=51
